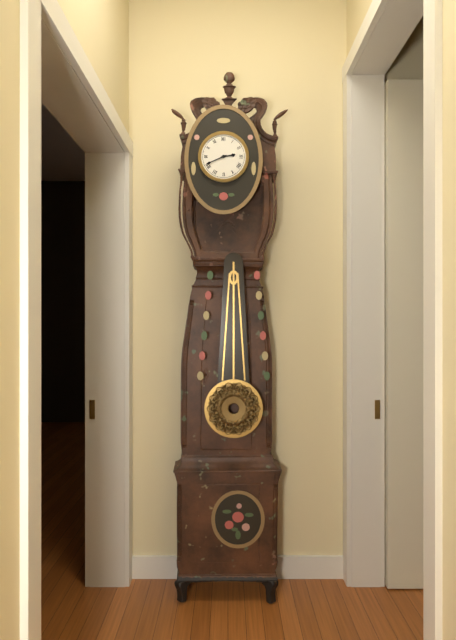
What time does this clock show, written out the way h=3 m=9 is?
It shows h=2 m=41
